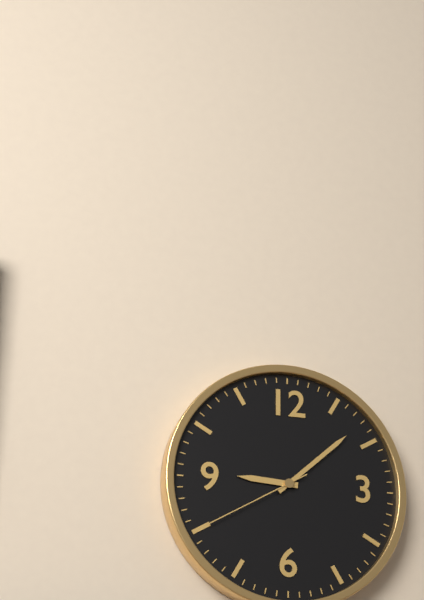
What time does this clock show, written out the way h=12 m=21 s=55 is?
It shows h=9 m=8 s=40
